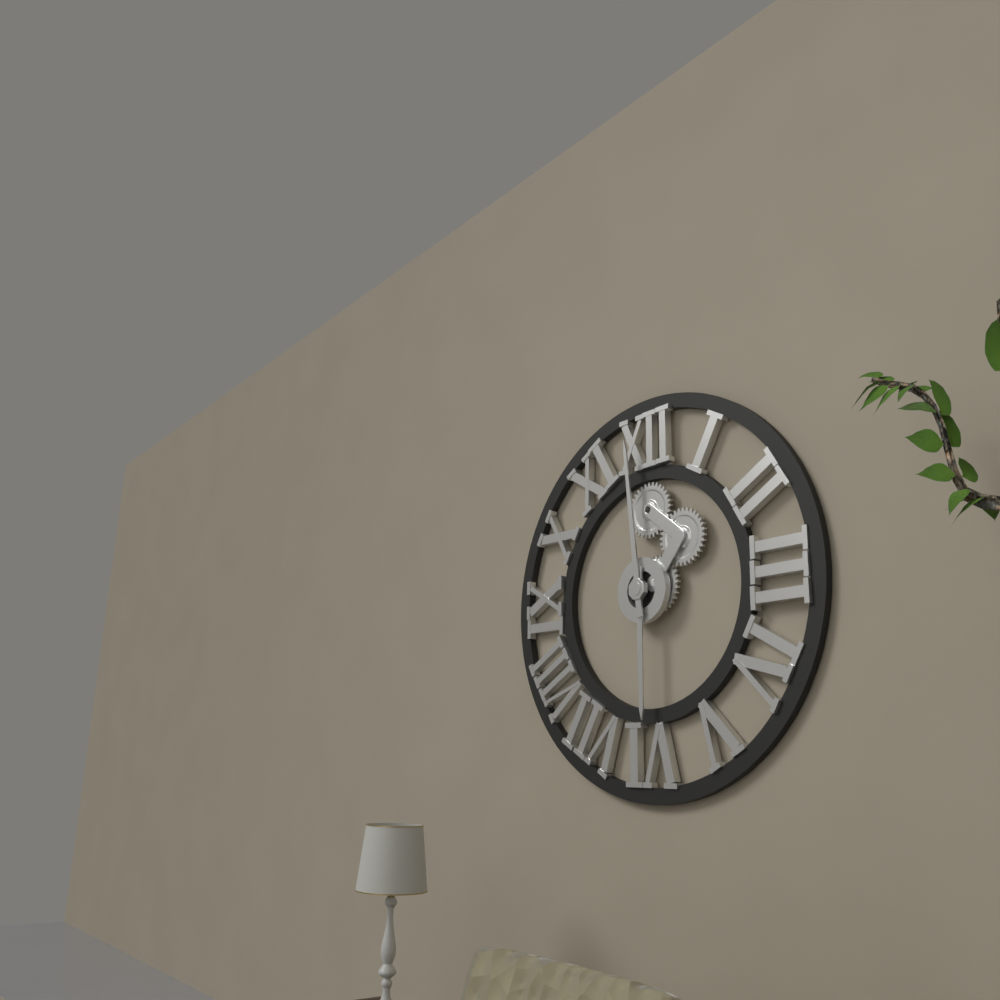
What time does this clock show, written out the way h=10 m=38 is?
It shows h=5 m=59
